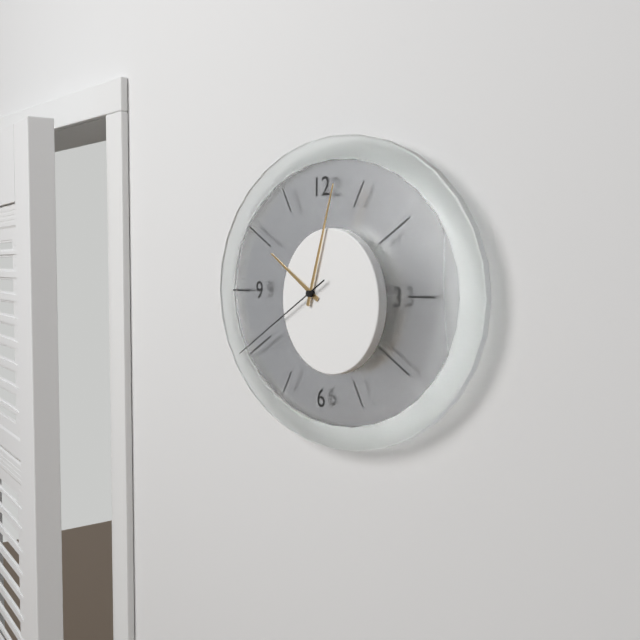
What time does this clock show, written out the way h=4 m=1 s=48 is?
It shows h=10 m=3 s=40
